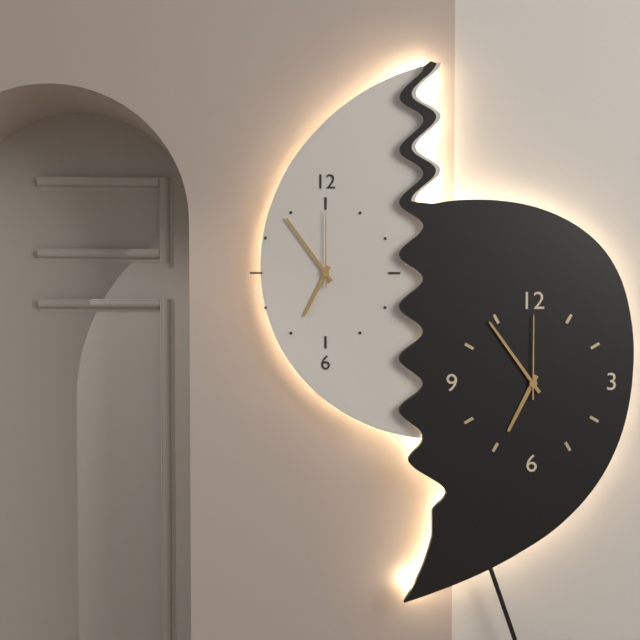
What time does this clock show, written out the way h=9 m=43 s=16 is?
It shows h=6 m=54 s=0
